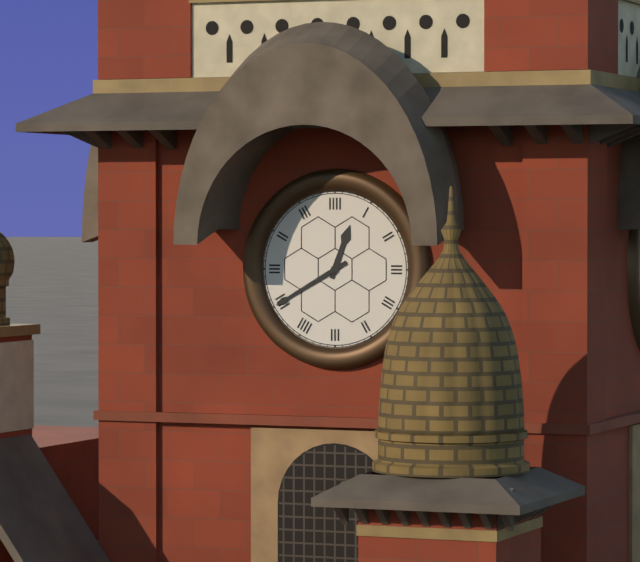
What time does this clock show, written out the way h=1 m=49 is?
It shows h=12 m=40
